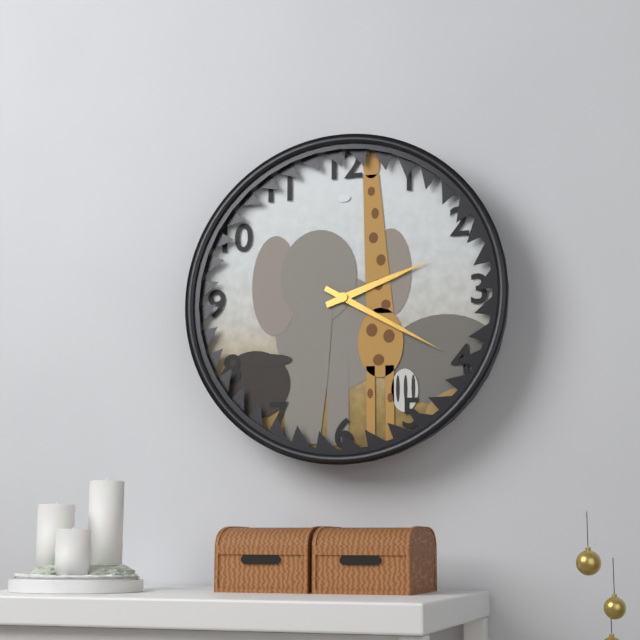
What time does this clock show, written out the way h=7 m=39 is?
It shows h=2 m=20
